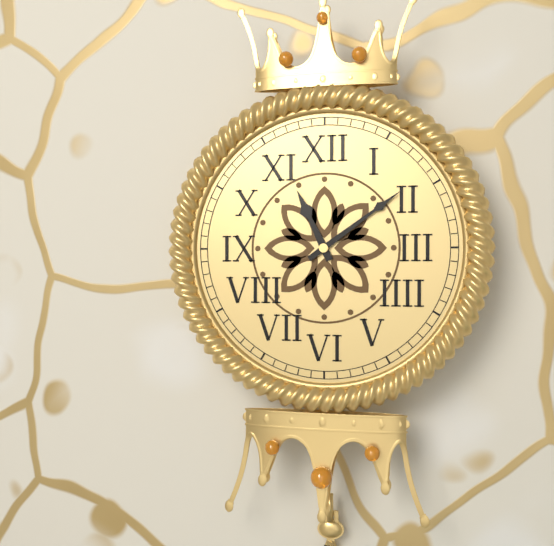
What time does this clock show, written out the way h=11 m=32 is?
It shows h=11 m=9
